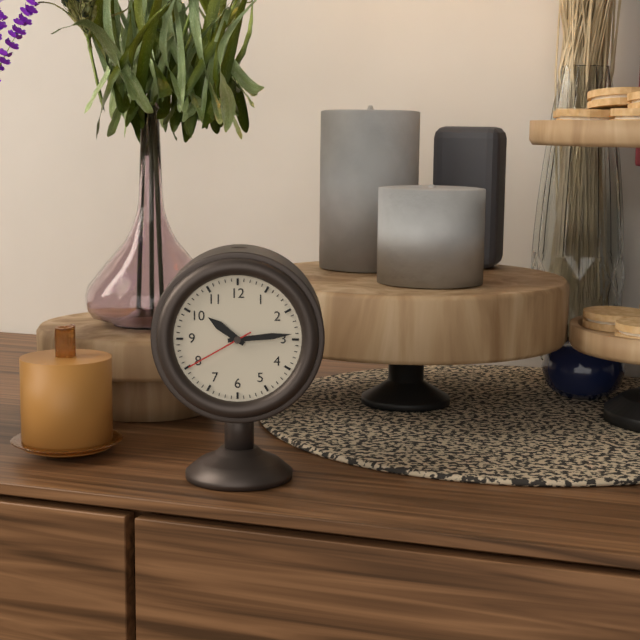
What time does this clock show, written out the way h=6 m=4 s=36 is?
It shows h=10 m=14 s=40
